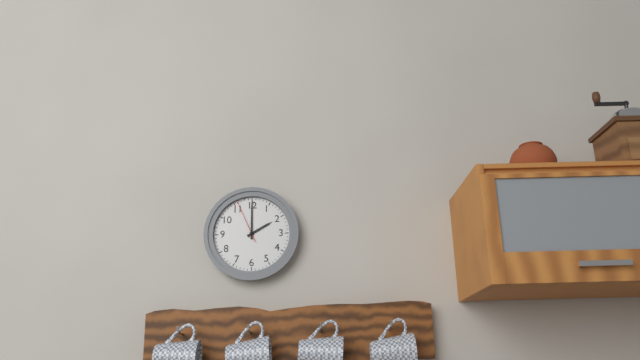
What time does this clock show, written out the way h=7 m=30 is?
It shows h=2 m=0
